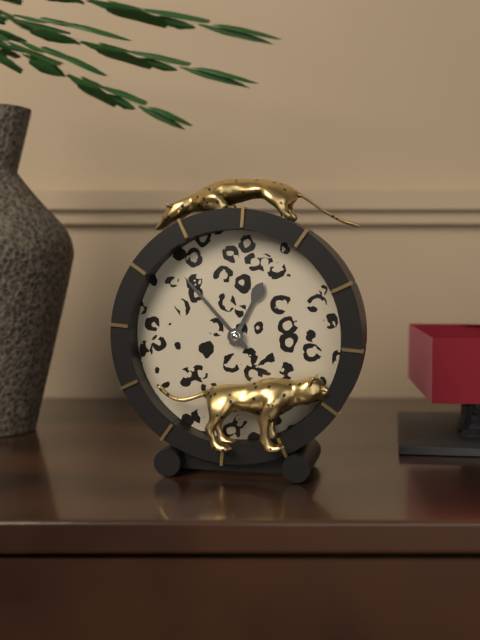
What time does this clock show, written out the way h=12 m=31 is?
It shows h=12 m=53
